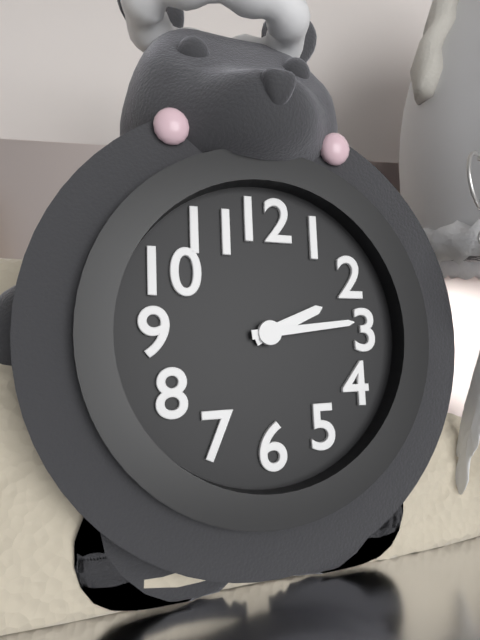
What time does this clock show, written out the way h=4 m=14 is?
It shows h=2 m=14
